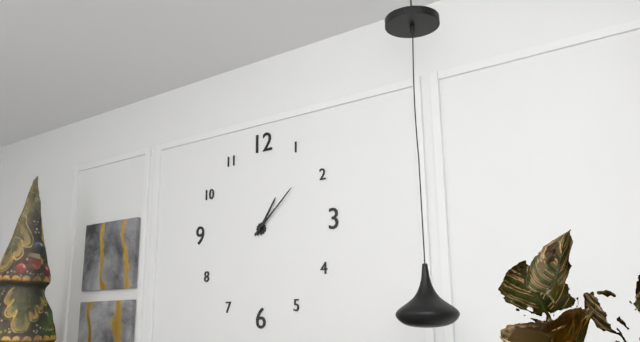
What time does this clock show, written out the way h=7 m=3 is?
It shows h=1 m=8
